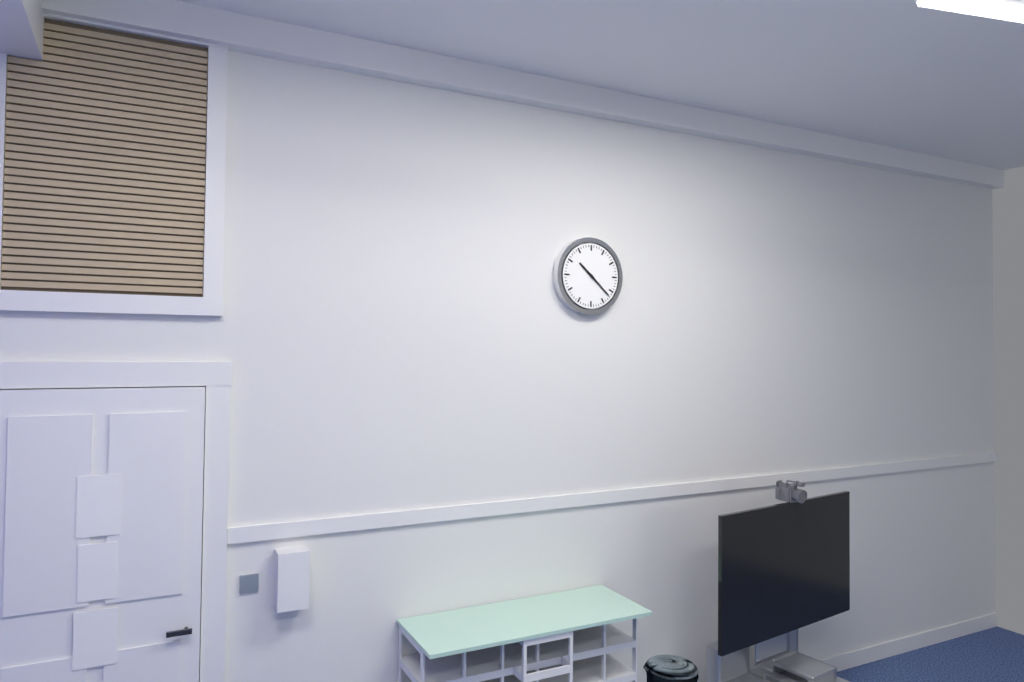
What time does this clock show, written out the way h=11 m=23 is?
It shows h=10 m=22
